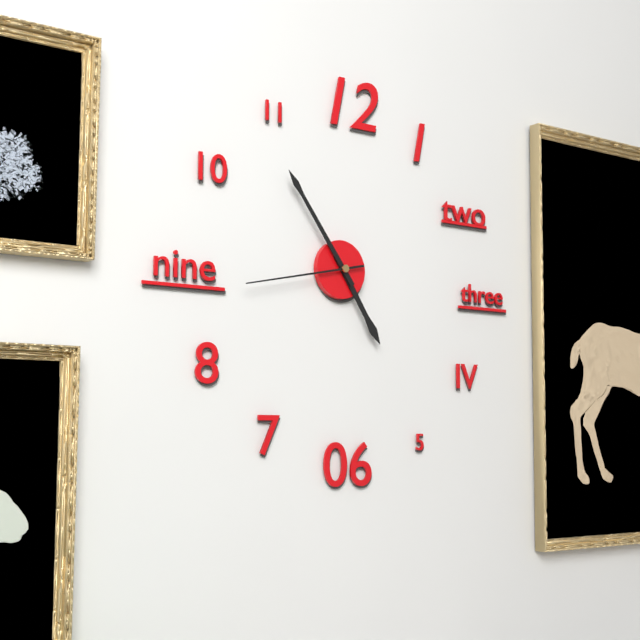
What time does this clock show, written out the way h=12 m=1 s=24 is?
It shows h=4 m=54 s=43
